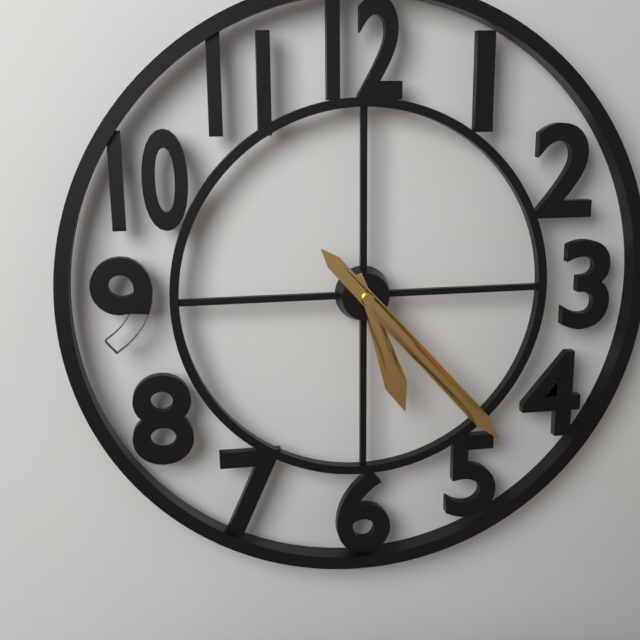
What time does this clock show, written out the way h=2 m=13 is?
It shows h=5 m=23
